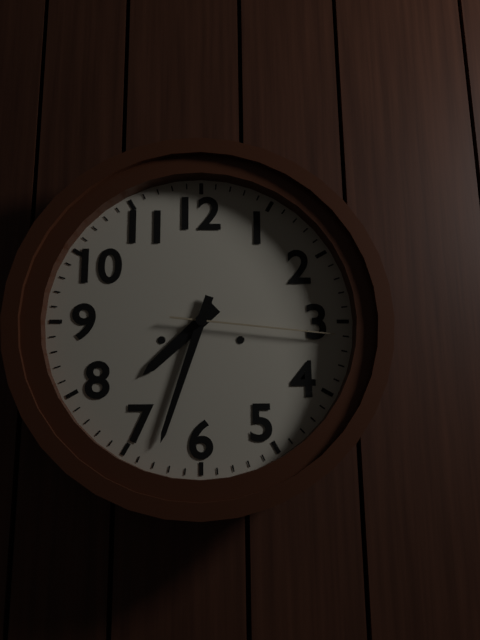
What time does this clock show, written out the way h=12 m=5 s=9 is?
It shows h=7 m=33 s=16
